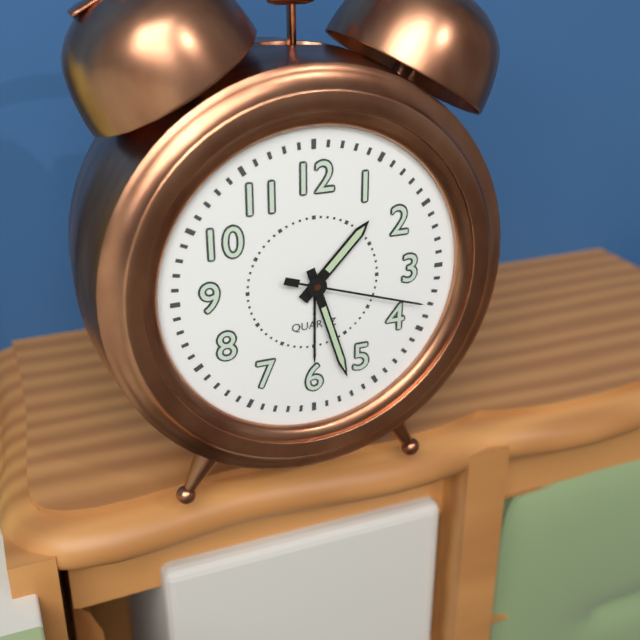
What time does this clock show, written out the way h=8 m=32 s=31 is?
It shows h=1 m=27 s=18
